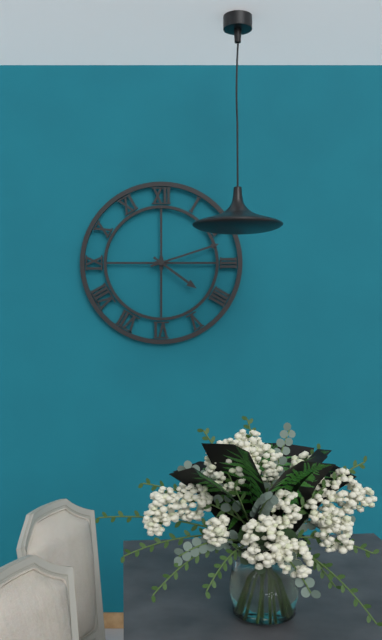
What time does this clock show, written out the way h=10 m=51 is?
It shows h=4 m=12
